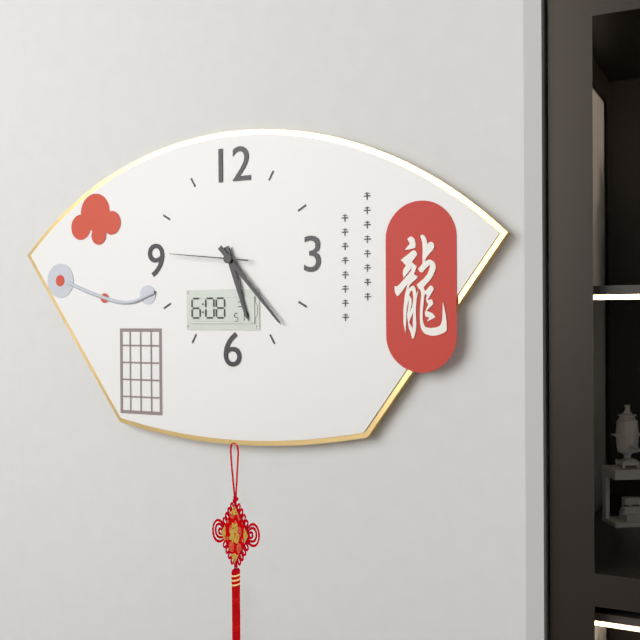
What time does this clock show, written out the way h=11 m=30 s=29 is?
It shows h=5 m=23 s=46
